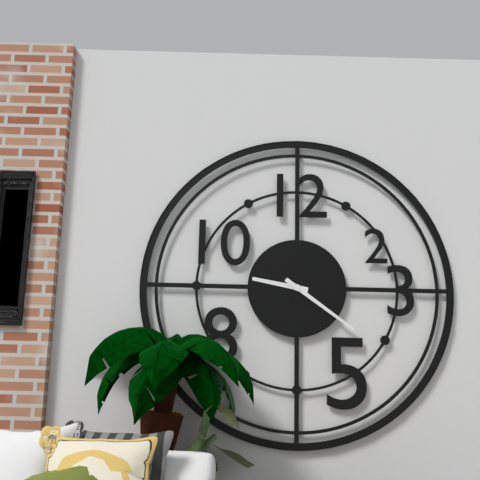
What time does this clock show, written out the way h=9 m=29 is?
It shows h=9 m=21
